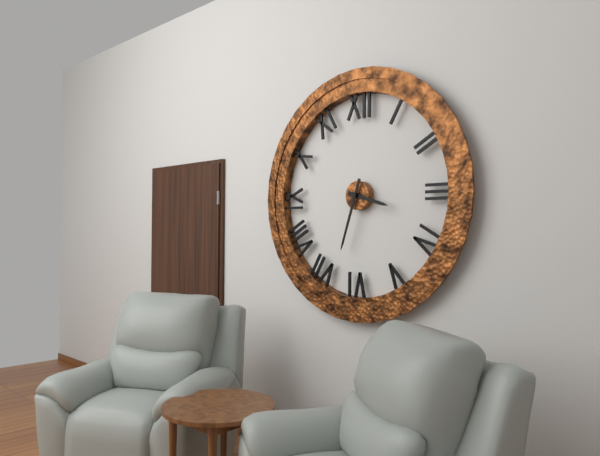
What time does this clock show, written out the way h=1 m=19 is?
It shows h=3 m=33
